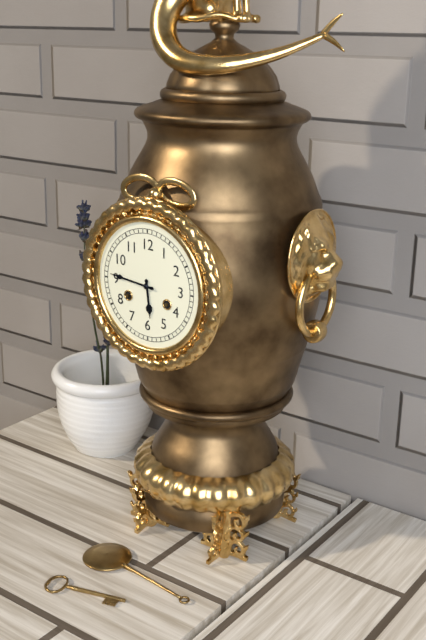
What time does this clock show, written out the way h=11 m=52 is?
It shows h=5 m=46
